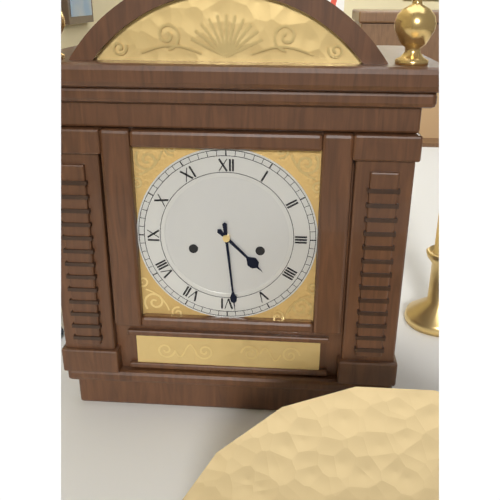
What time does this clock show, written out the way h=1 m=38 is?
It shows h=4 m=29
